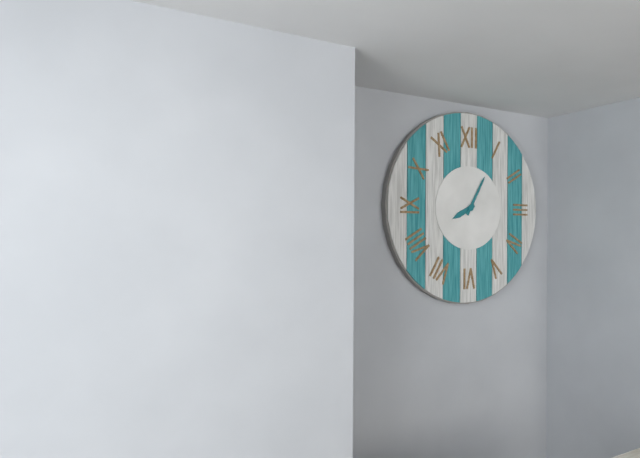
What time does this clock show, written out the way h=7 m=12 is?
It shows h=8 m=5
